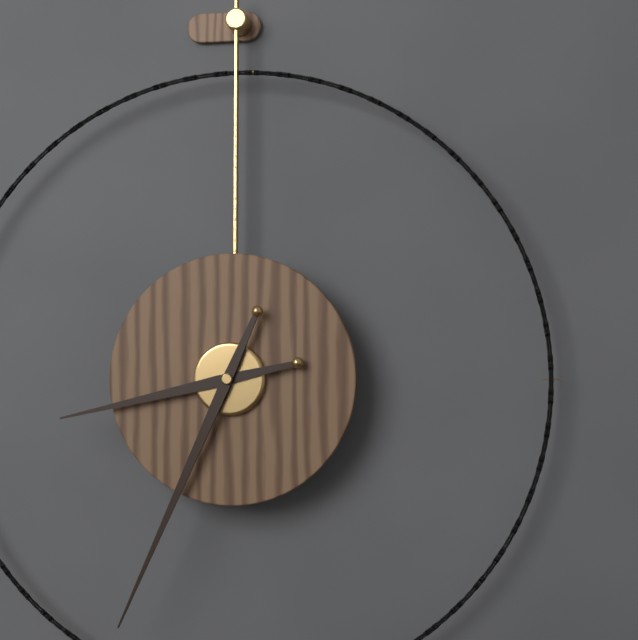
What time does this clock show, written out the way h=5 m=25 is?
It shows h=8 m=34
